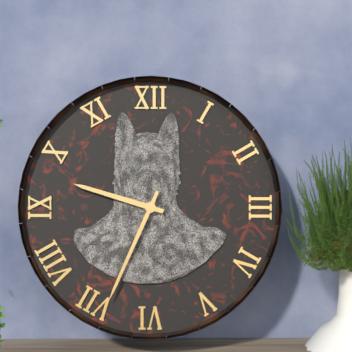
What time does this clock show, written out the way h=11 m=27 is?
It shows h=9 m=34
